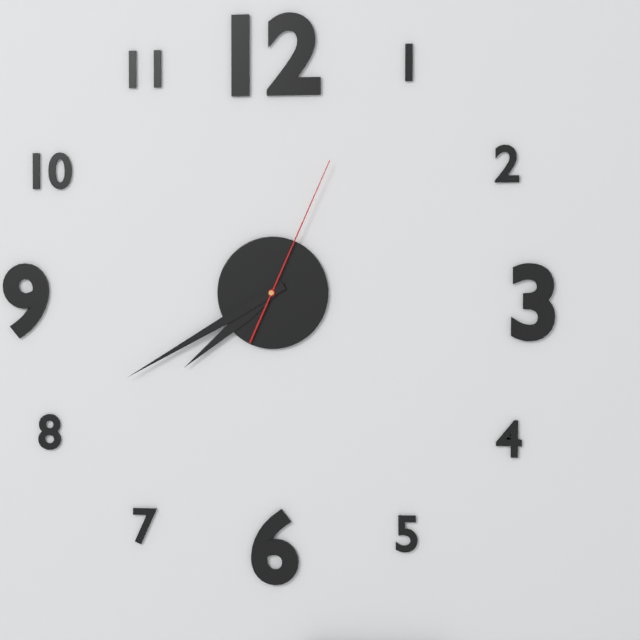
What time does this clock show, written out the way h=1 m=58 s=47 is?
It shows h=7 m=40 s=4
